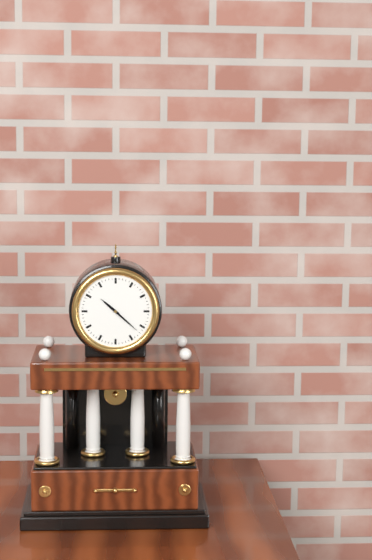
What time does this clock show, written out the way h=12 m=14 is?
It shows h=10 m=22
